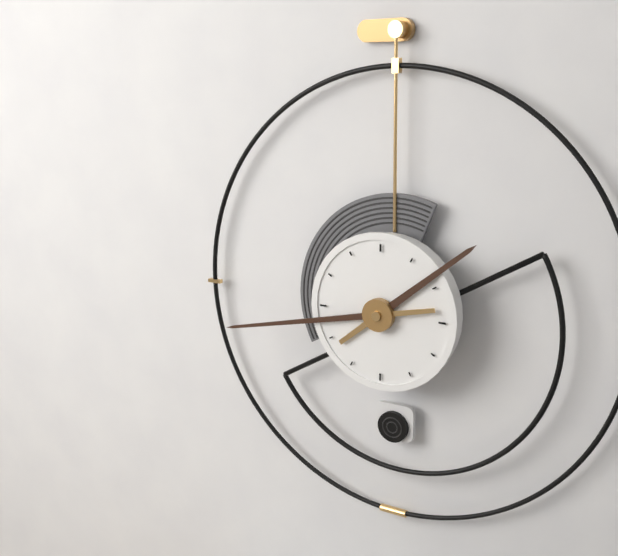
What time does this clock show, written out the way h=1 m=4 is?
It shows h=1 m=43
